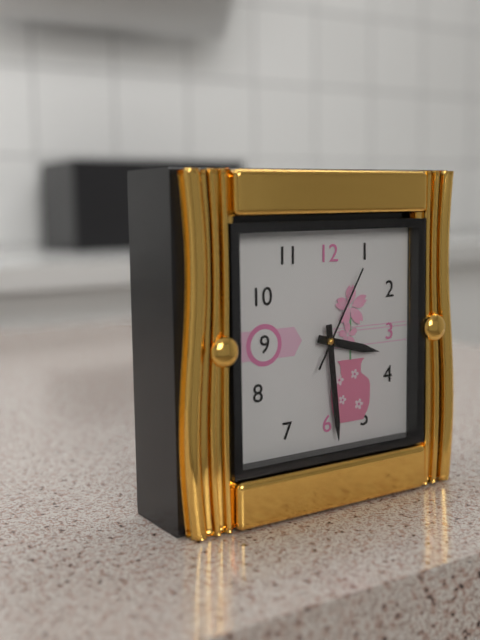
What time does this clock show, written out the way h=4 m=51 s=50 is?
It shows h=3 m=29 s=5
